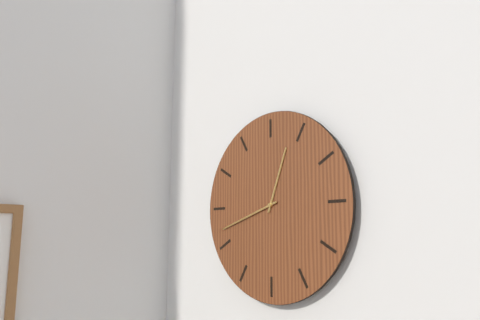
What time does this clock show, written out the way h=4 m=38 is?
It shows h=12 m=42
